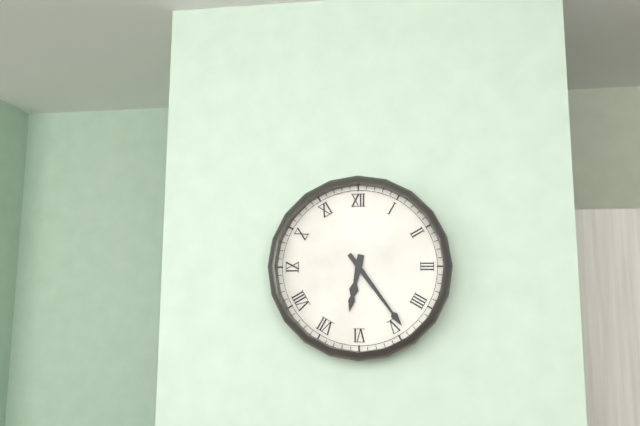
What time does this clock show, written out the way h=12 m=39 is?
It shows h=6 m=24
